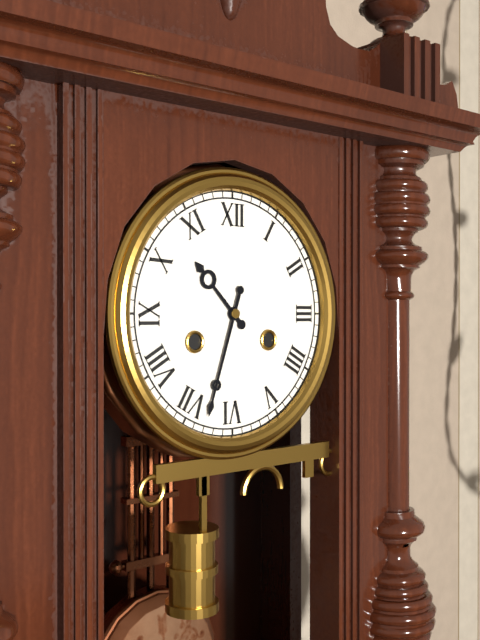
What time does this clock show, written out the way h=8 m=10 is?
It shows h=10 m=33
